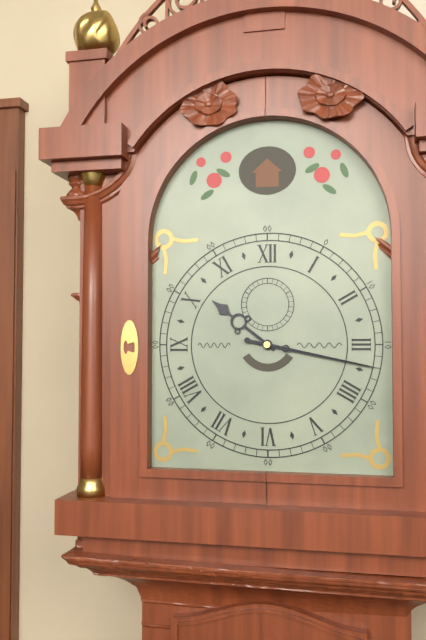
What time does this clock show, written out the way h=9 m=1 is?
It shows h=10 m=17
